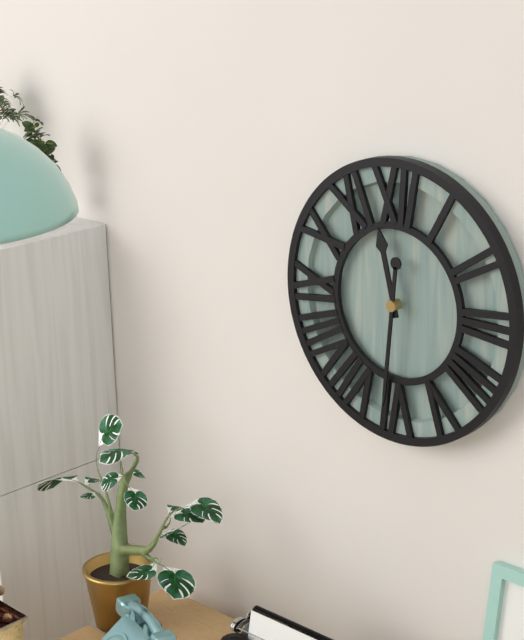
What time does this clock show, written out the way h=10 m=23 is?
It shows h=11 m=31
